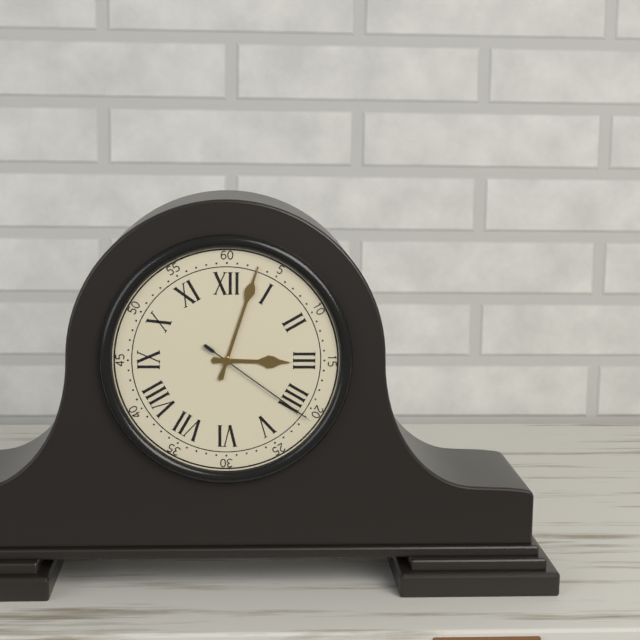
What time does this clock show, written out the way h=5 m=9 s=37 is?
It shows h=3 m=3 s=21
